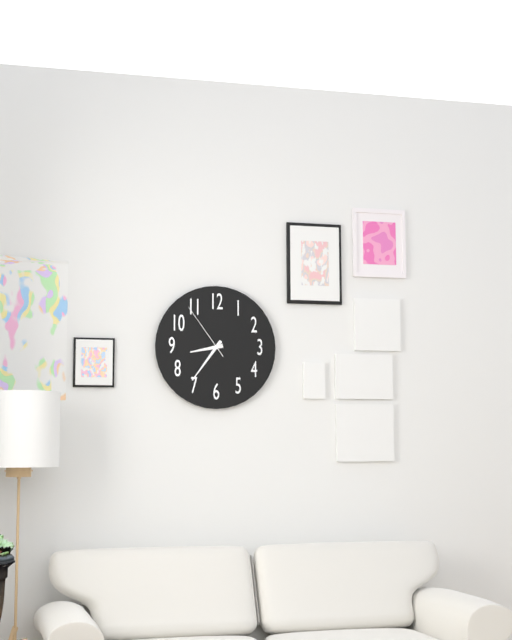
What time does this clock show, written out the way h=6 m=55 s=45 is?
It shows h=8 m=36 s=54
